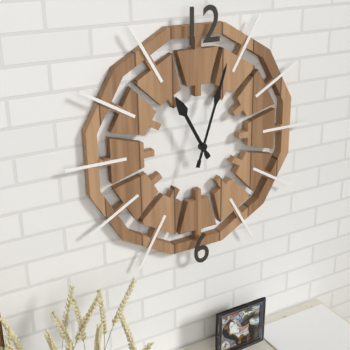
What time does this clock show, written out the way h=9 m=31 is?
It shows h=11 m=3
